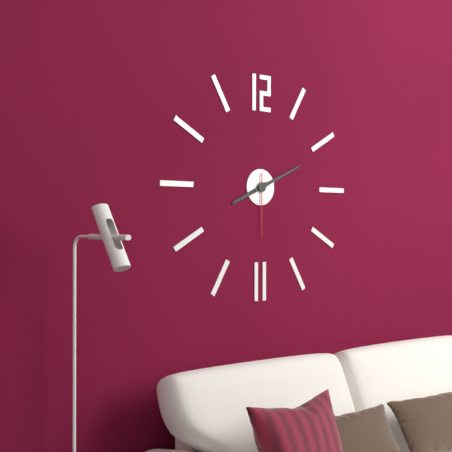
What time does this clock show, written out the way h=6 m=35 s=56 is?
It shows h=8 m=11 s=30
